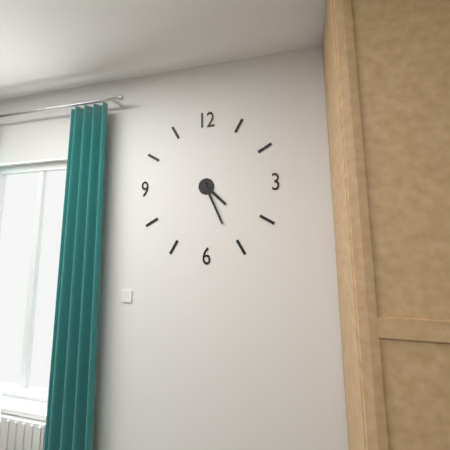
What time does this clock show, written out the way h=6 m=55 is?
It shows h=4 m=26
